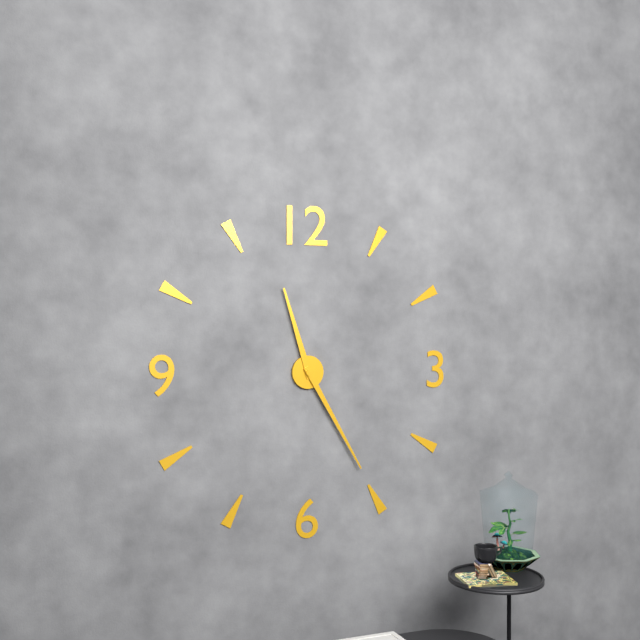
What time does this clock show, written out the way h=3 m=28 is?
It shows h=11 m=25
